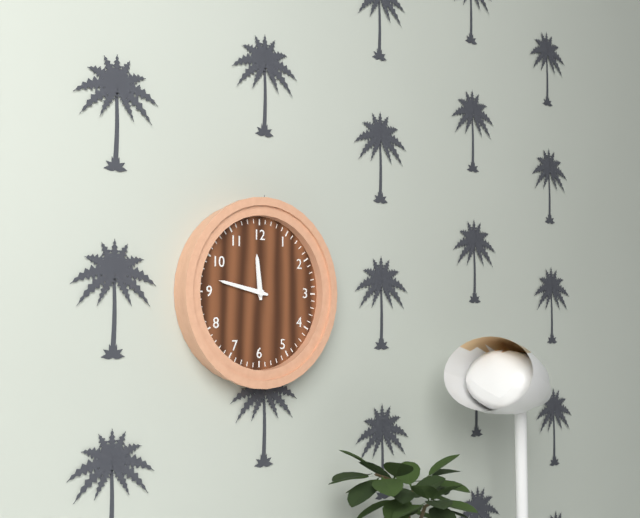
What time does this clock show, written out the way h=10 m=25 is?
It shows h=11 m=47
